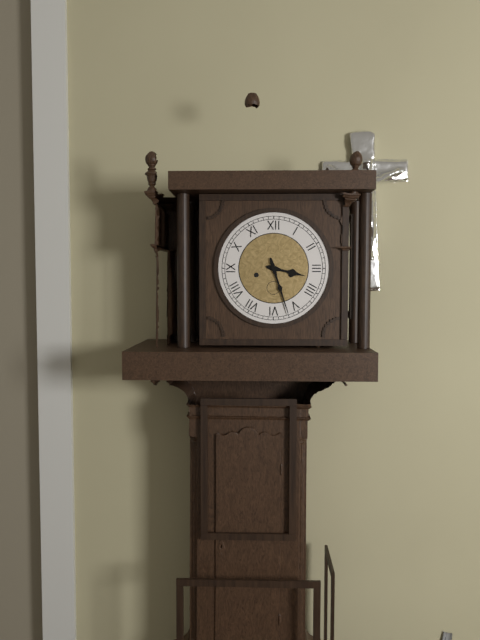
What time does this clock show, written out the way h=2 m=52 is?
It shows h=3 m=27
